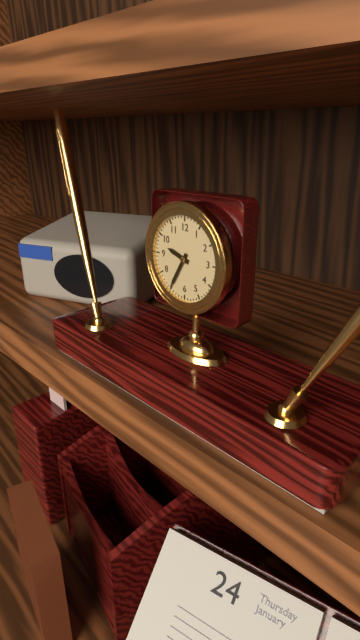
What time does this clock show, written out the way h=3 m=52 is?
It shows h=9 m=35
